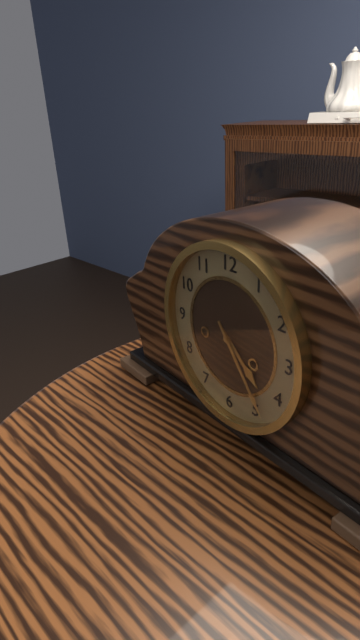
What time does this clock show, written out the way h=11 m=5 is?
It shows h=4 m=24
